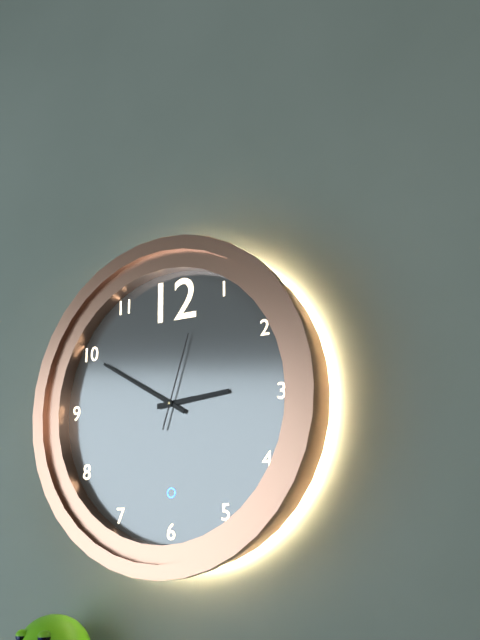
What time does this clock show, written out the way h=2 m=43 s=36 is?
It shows h=2 m=50 s=3
